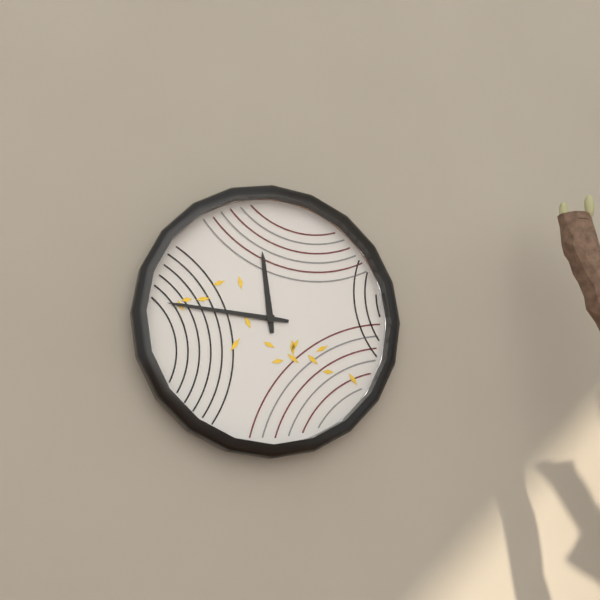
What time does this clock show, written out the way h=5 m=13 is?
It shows h=11 m=46
